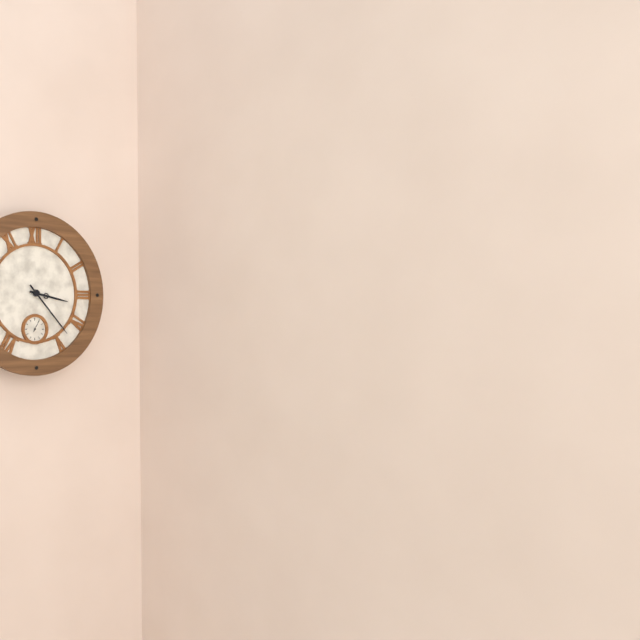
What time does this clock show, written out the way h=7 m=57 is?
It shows h=3 m=23
